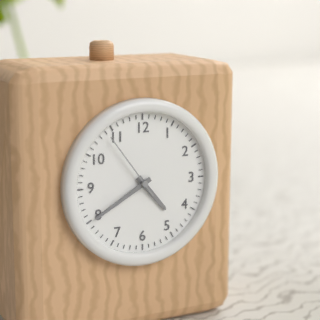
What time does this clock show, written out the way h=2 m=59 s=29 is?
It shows h=4 m=40 s=54
